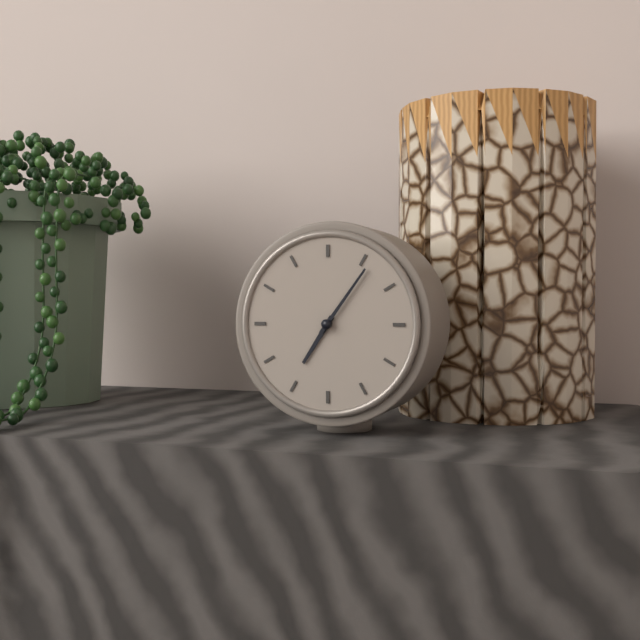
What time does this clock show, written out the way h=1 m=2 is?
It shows h=7 m=6
